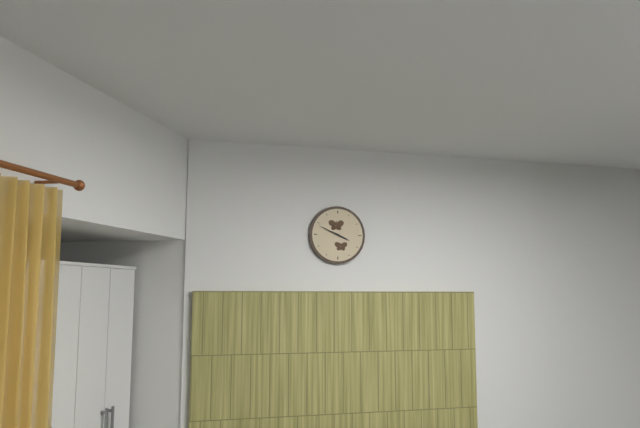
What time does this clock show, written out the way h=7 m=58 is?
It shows h=3 m=49
